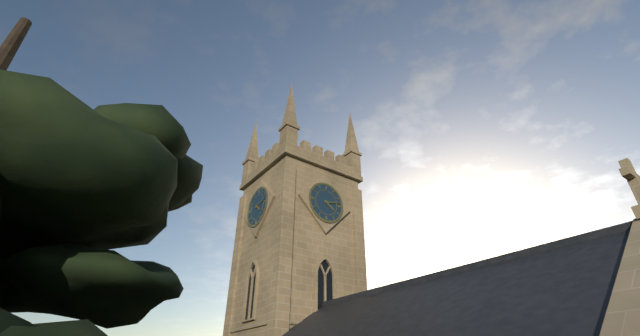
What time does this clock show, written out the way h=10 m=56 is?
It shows h=4 m=13
